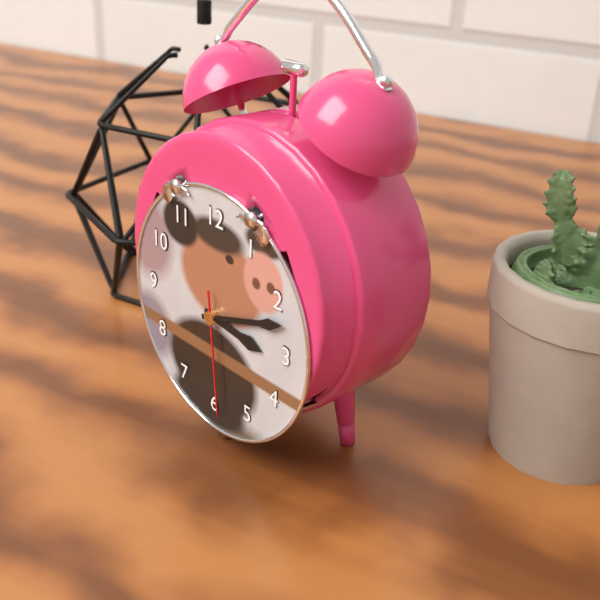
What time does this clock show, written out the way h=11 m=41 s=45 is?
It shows h=3 m=12 s=29
